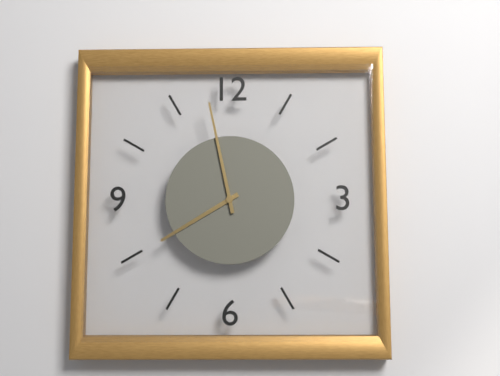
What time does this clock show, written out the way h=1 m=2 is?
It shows h=7 m=58
